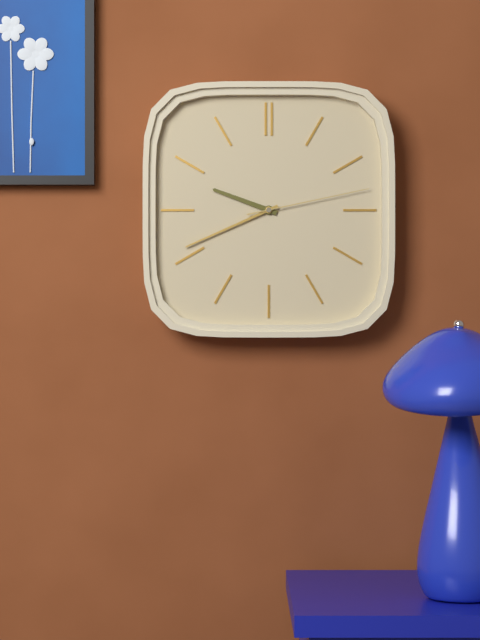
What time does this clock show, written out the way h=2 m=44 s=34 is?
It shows h=9 m=41 s=13
